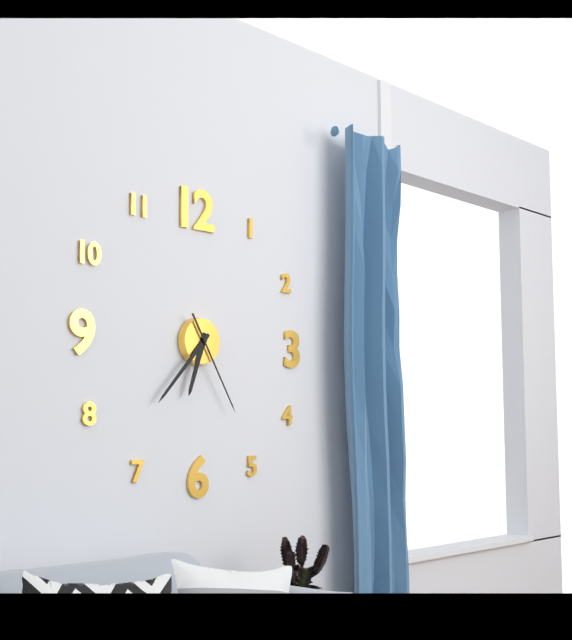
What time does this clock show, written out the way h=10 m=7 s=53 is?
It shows h=6 m=37 s=25
